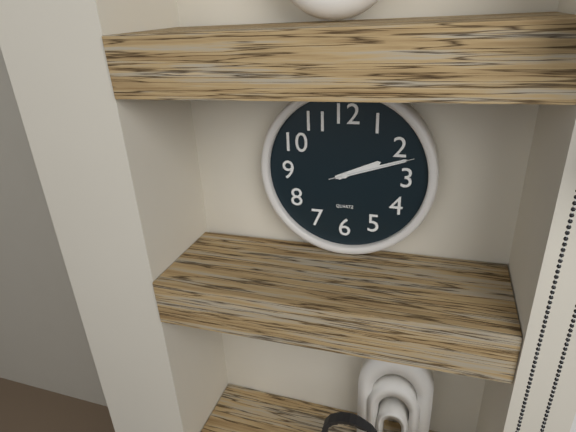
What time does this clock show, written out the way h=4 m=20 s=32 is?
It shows h=2 m=12 s=12
